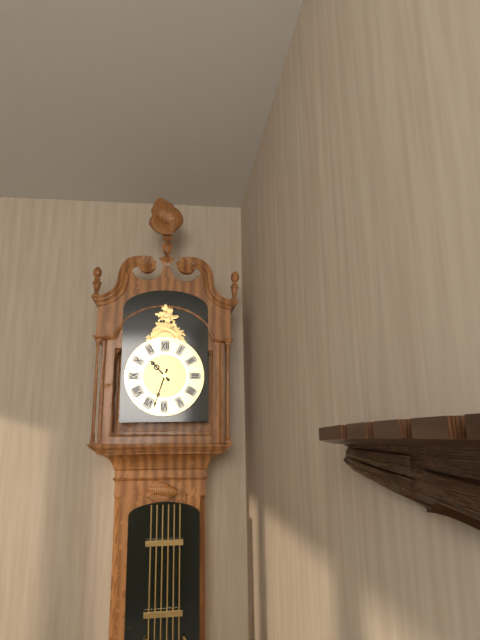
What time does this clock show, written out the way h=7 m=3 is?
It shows h=10 m=33
